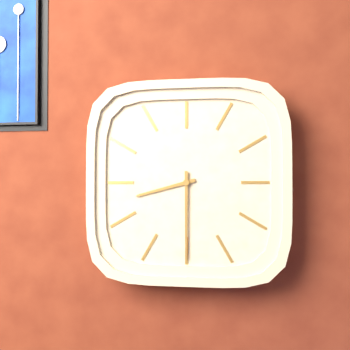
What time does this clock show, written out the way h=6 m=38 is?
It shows h=8 m=30
